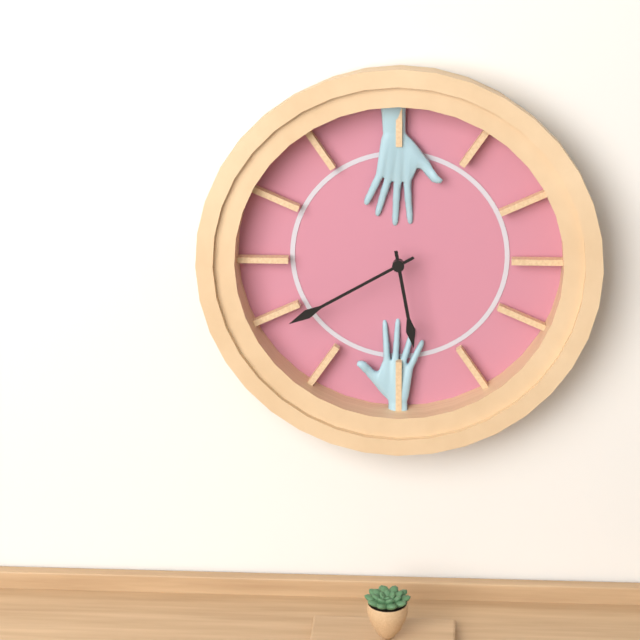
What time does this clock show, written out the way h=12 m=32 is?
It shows h=5 m=40
